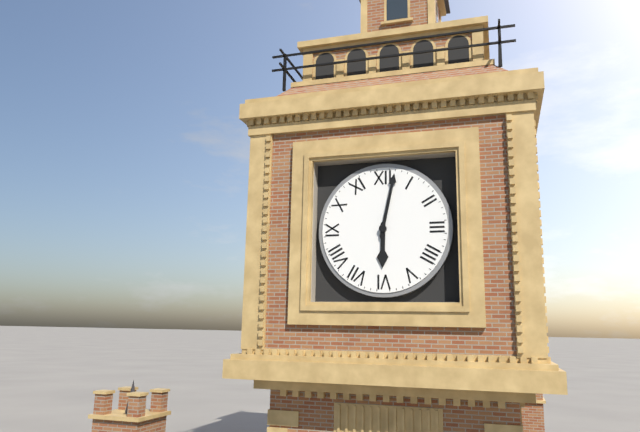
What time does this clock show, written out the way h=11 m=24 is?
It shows h=6 m=2
